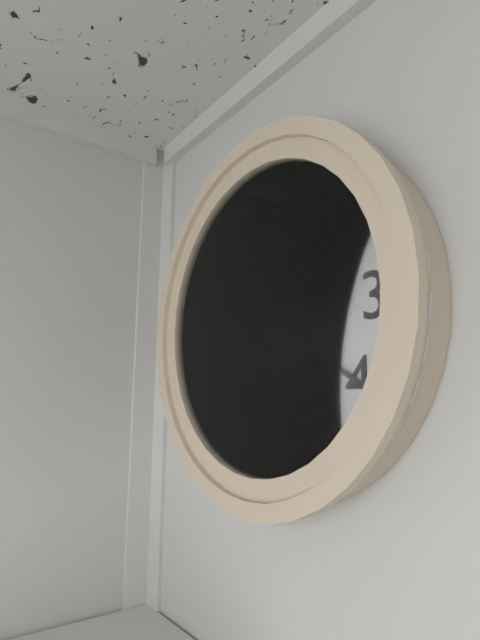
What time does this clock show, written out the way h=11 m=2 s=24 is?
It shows h=1 m=20 s=28
